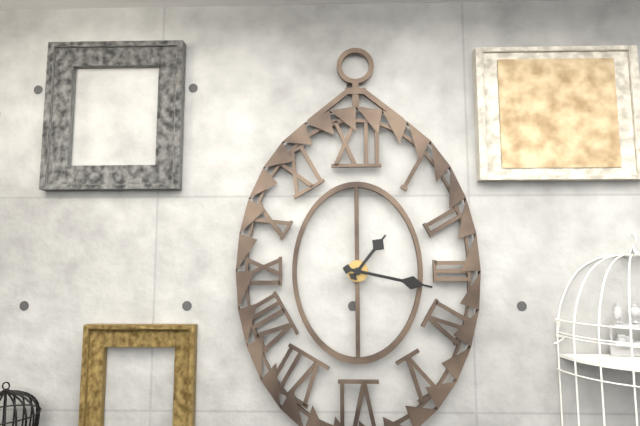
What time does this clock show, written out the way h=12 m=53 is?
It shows h=1 m=17
